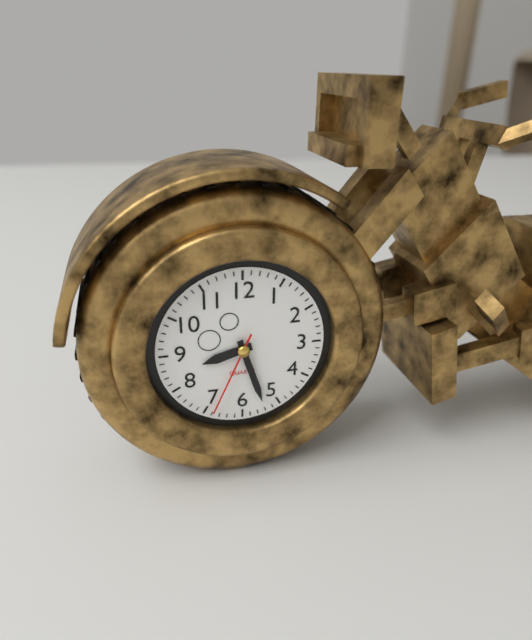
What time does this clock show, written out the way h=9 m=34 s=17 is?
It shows h=8 m=27 s=34
